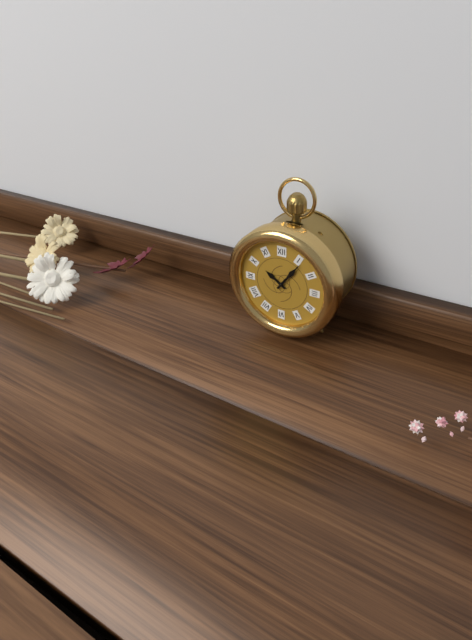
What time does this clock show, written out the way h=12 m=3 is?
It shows h=10 m=6
